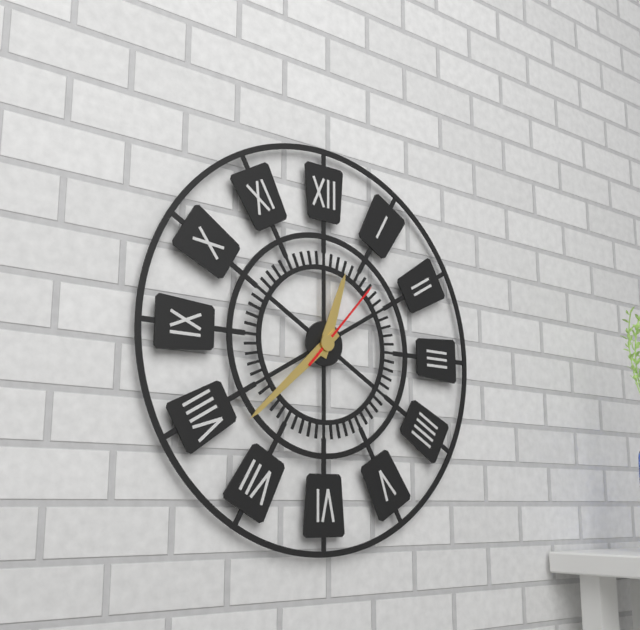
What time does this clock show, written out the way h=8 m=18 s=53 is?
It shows h=12 m=38 s=7
